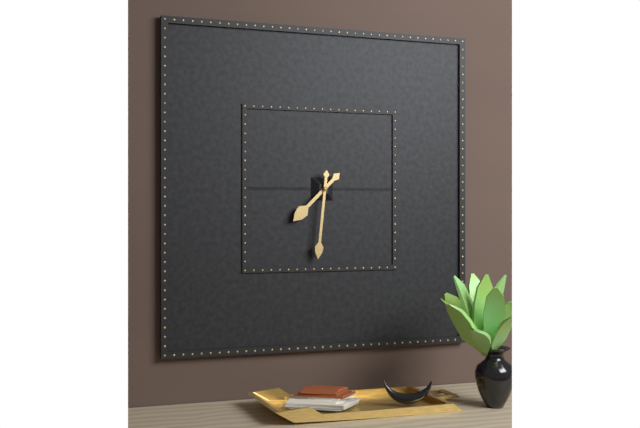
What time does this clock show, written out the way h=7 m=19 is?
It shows h=7 m=31
